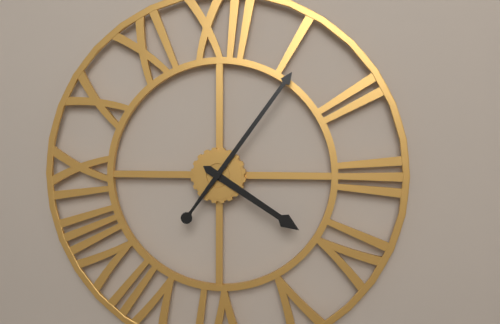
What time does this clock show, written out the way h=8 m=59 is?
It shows h=4 m=6
